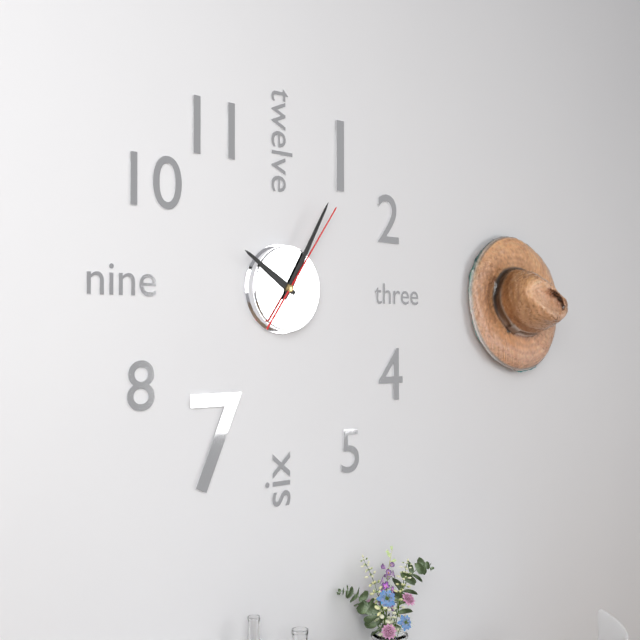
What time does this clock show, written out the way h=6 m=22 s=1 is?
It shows h=10 m=5 s=6
